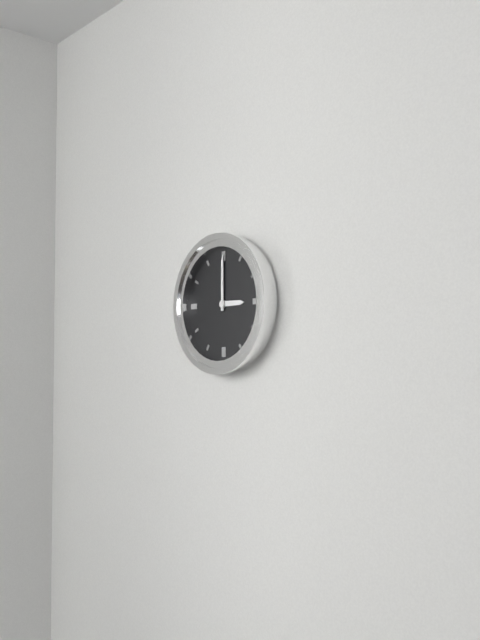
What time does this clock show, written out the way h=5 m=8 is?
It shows h=3 m=0
